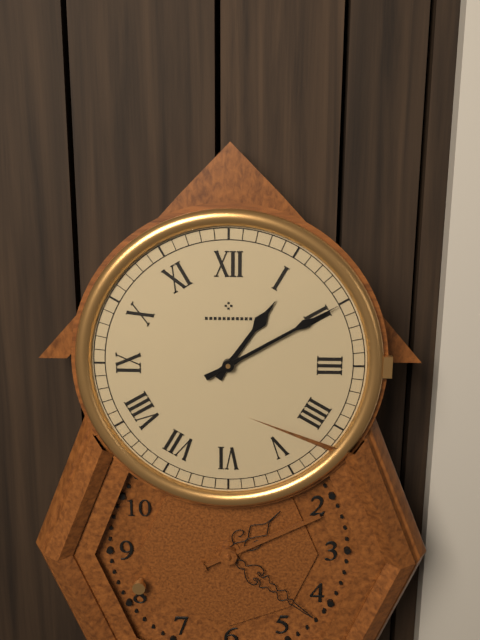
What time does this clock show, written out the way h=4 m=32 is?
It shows h=1 m=10
